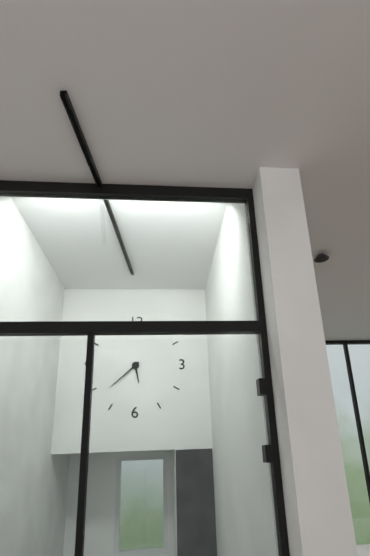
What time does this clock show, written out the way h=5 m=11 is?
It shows h=5 m=38
